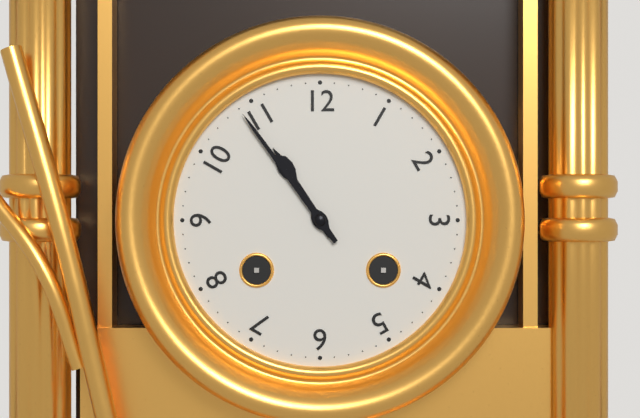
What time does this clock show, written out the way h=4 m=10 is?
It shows h=10 m=54
